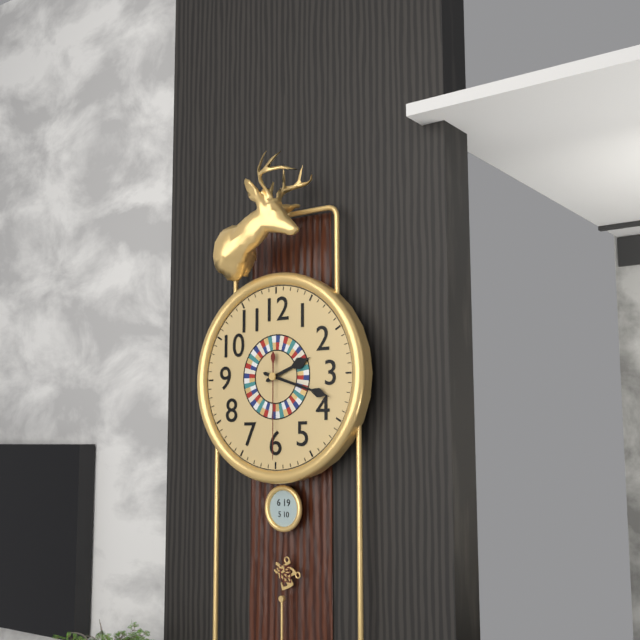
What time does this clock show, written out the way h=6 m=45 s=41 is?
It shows h=2 m=18 s=30
